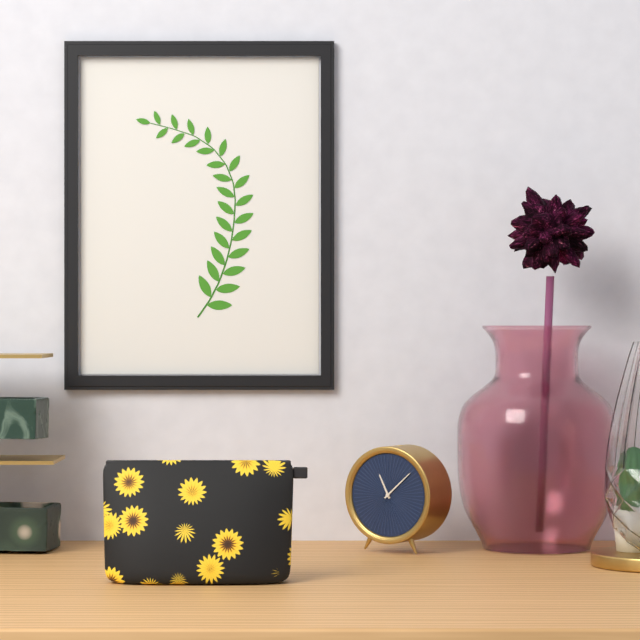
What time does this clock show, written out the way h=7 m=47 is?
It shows h=11 m=8
